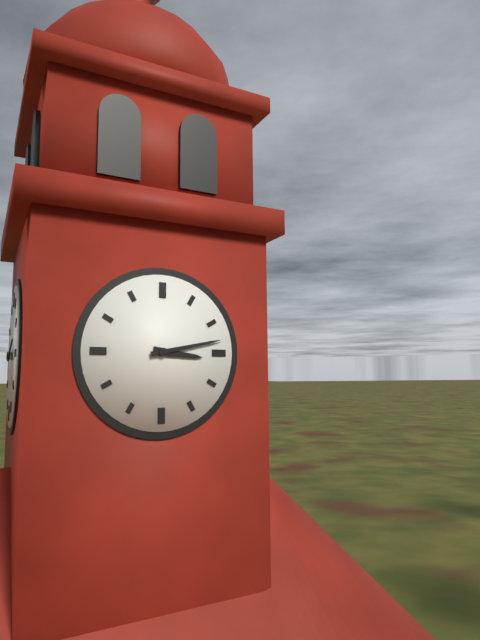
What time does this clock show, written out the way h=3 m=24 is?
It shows h=3 m=13
